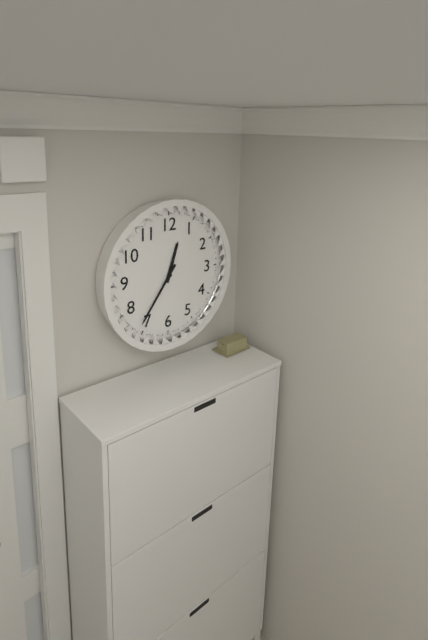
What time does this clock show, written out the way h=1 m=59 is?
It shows h=12 m=36
